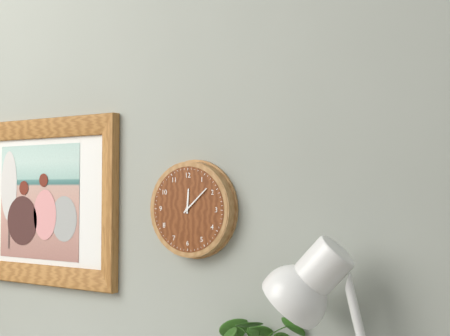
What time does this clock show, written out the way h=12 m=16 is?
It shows h=12 m=8
